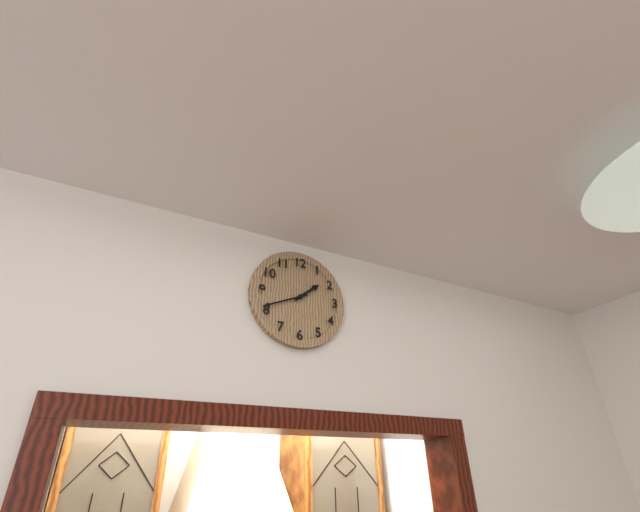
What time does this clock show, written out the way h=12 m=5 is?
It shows h=1 m=41
